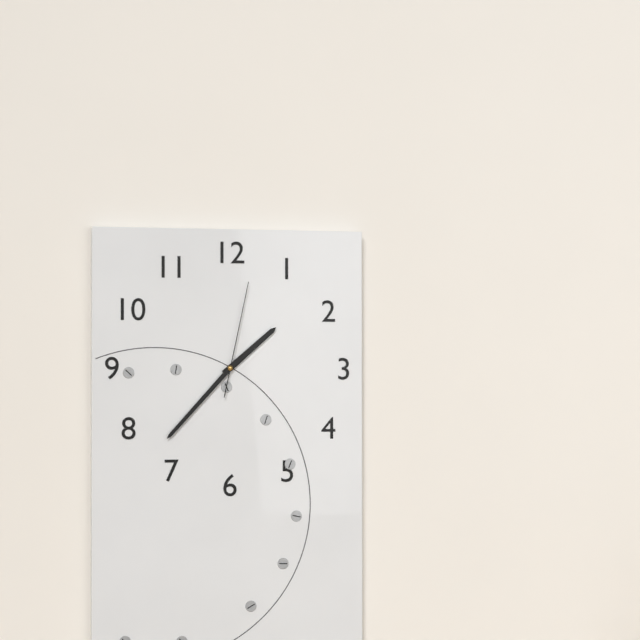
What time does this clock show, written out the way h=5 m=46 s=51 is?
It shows h=1 m=37 s=2
